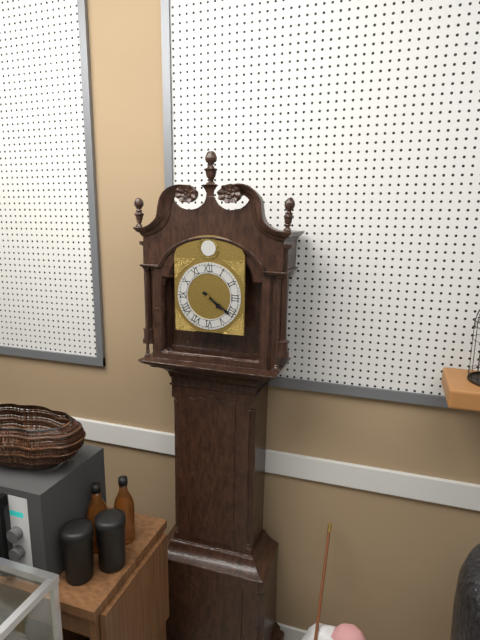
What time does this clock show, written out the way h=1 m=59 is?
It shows h=4 m=21
